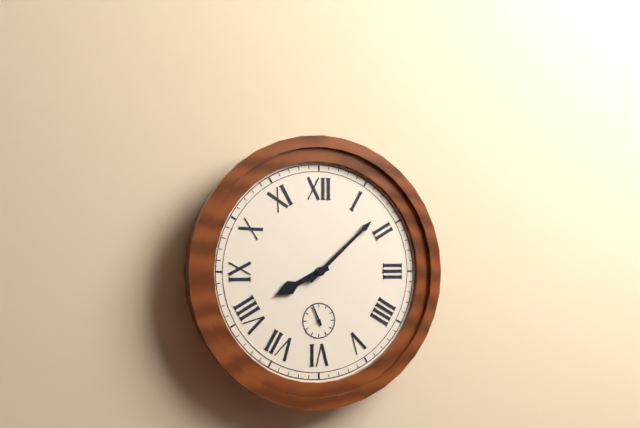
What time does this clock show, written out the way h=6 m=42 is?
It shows h=8 m=8
